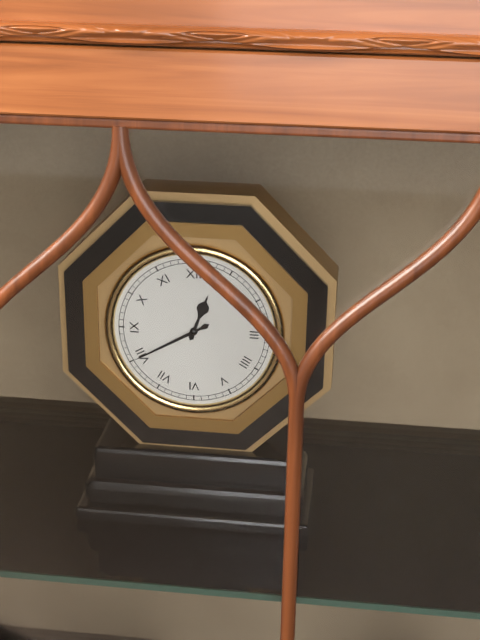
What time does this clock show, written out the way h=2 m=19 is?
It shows h=12 m=40
